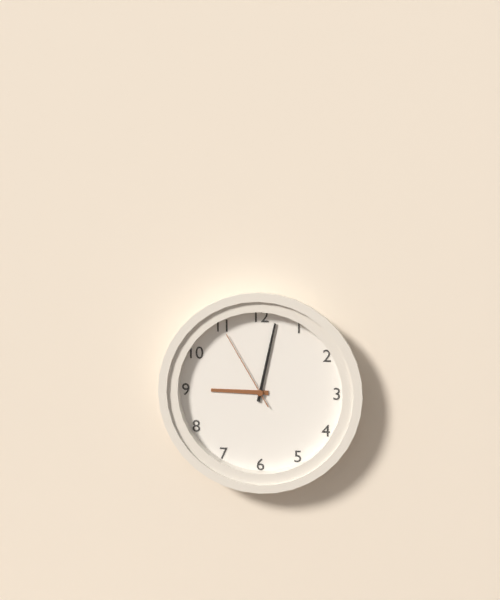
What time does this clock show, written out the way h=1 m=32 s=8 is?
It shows h=9 m=2 s=55
